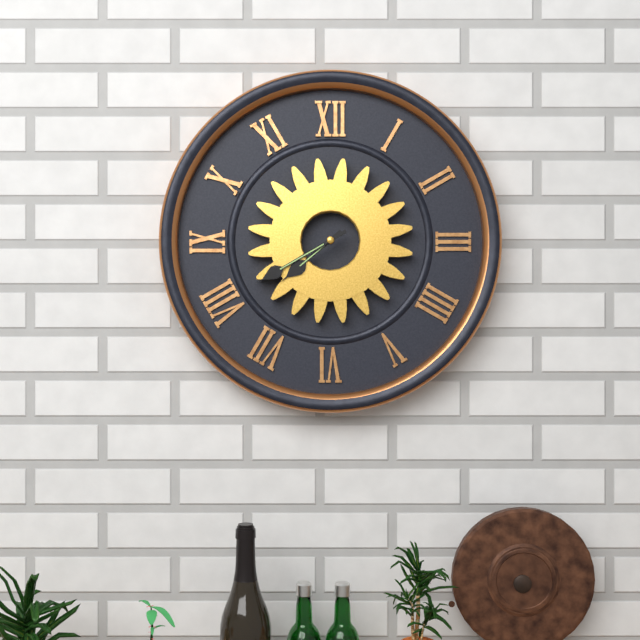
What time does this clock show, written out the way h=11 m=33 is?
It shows h=7 m=40
